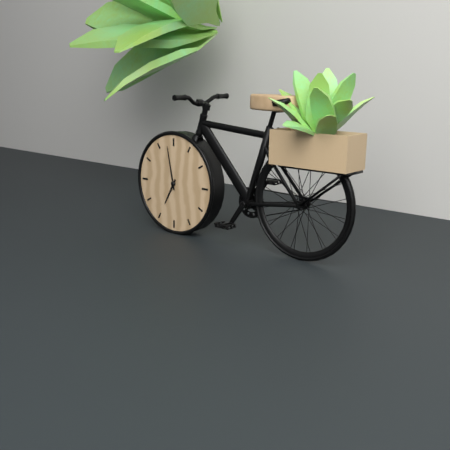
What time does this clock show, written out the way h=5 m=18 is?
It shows h=6 m=58
